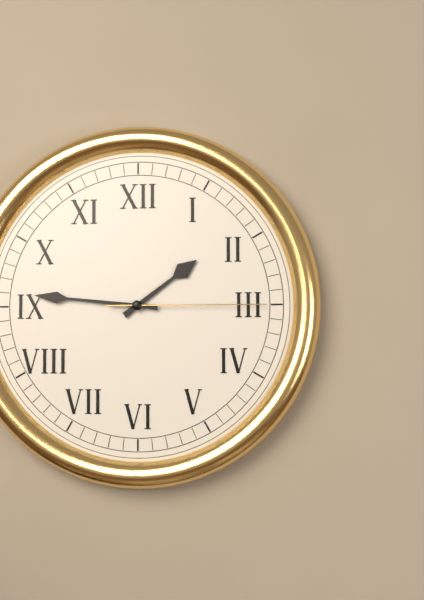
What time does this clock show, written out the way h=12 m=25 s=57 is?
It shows h=1 m=46 s=15
